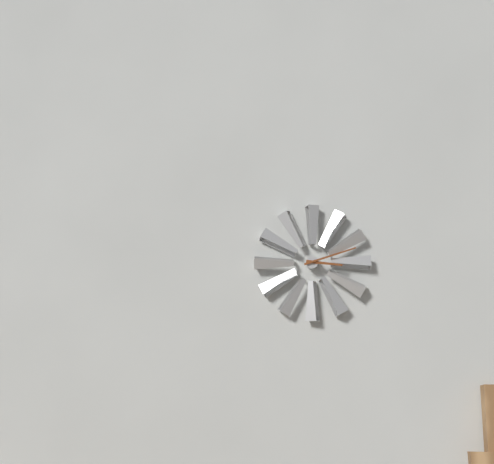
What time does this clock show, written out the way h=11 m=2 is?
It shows h=3 m=12
